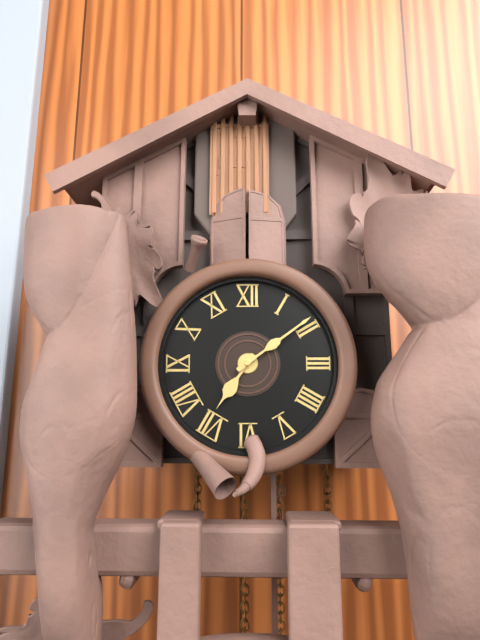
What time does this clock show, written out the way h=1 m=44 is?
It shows h=7 m=9
